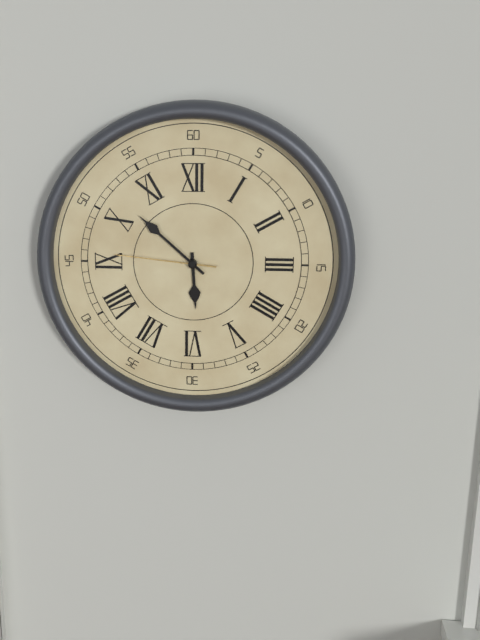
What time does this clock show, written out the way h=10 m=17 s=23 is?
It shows h=5 m=52 s=46
